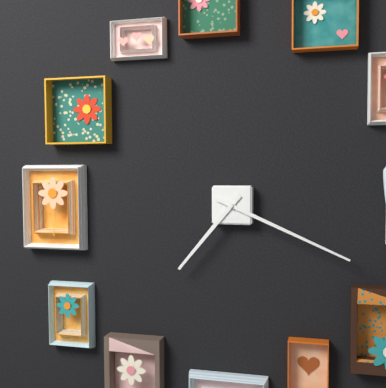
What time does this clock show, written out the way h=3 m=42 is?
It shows h=7 m=19
